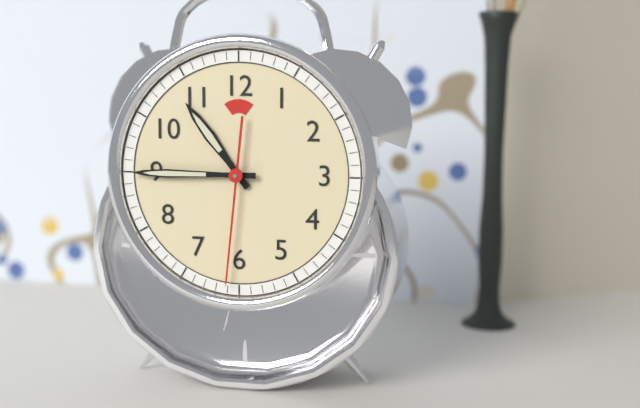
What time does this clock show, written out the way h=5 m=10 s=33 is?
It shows h=10 m=45 s=31
